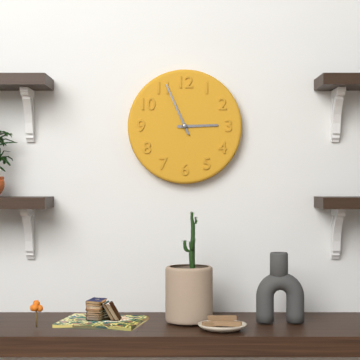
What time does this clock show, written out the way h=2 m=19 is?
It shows h=2 m=56
